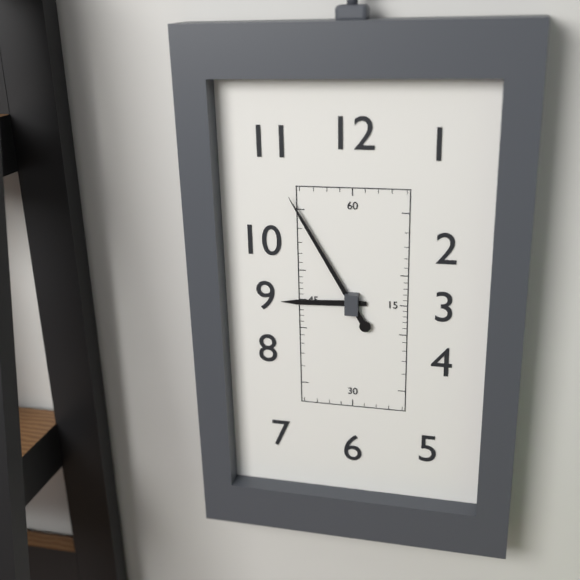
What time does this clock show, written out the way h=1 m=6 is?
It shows h=8 m=55
